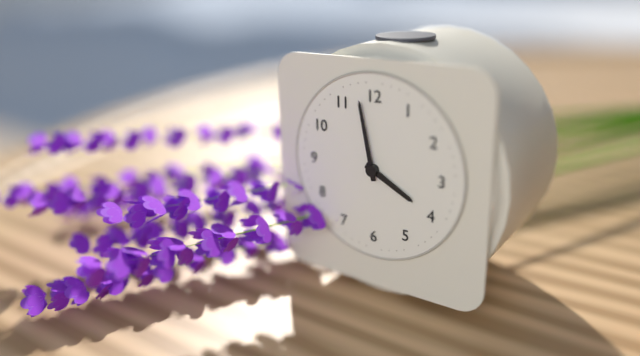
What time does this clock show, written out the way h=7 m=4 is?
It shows h=3 m=58
